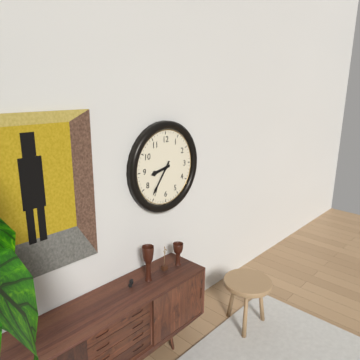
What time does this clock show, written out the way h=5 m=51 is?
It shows h=8 m=36
